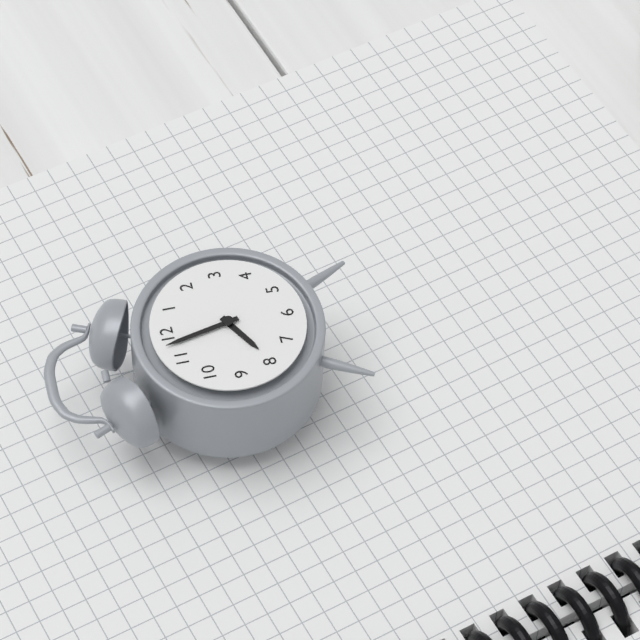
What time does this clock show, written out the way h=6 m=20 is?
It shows h=7 m=58
